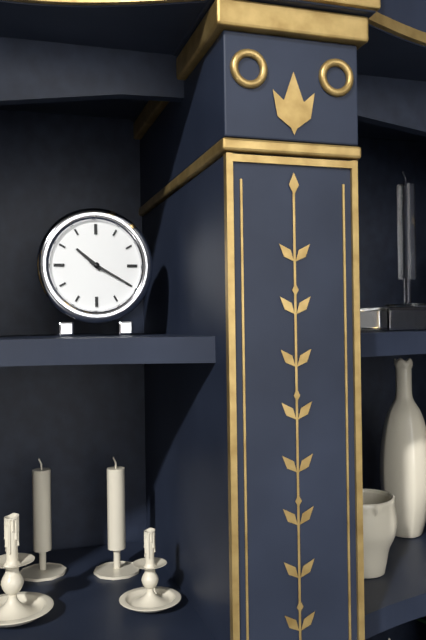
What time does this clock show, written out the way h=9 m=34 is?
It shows h=10 m=20
